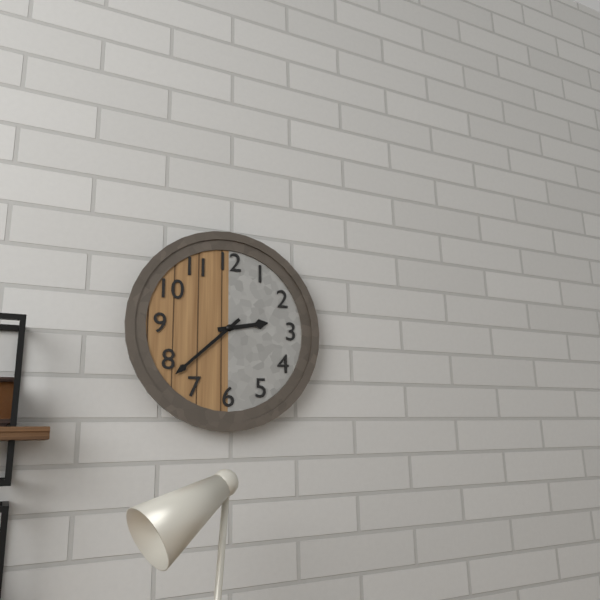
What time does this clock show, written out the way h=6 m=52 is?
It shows h=2 m=38
